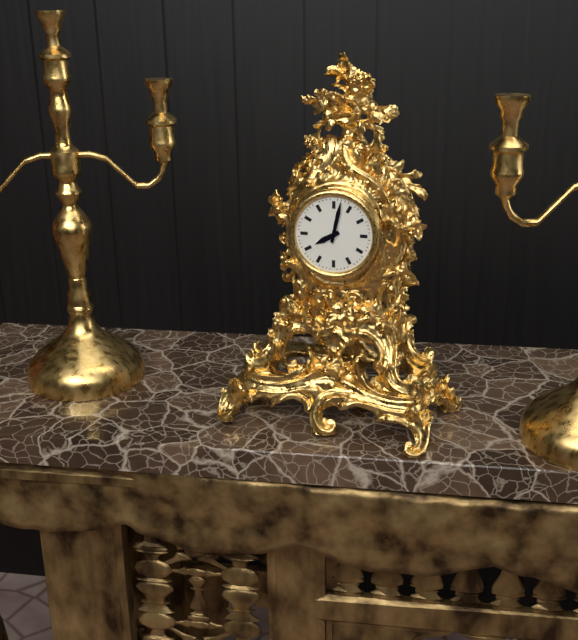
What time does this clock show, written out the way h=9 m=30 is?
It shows h=8 m=2
